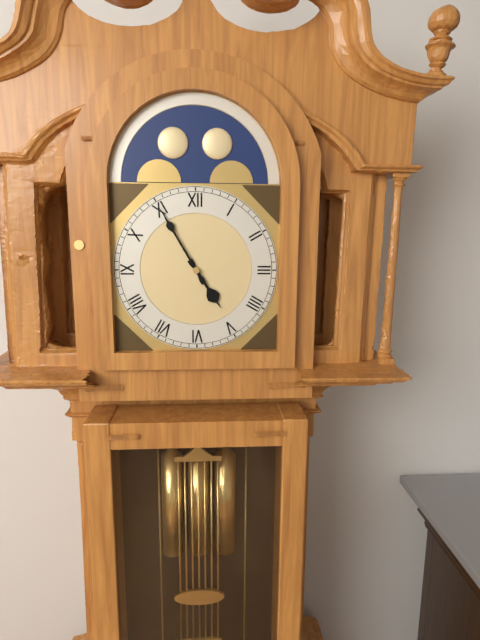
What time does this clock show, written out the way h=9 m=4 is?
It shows h=4 m=55
